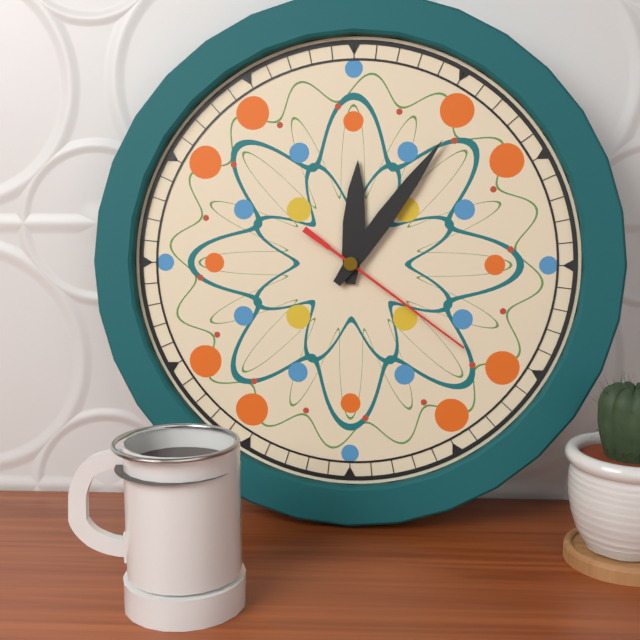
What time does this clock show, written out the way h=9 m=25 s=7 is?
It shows h=12 m=6 s=21
